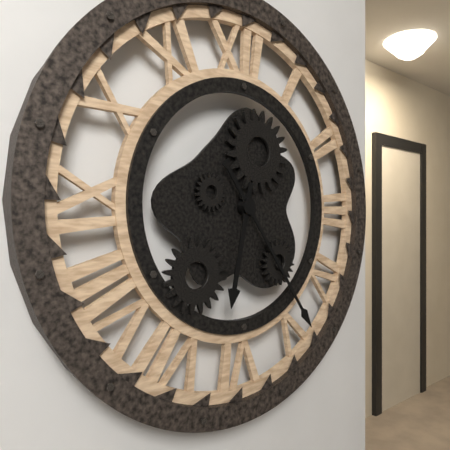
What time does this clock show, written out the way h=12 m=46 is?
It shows h=6 m=24
